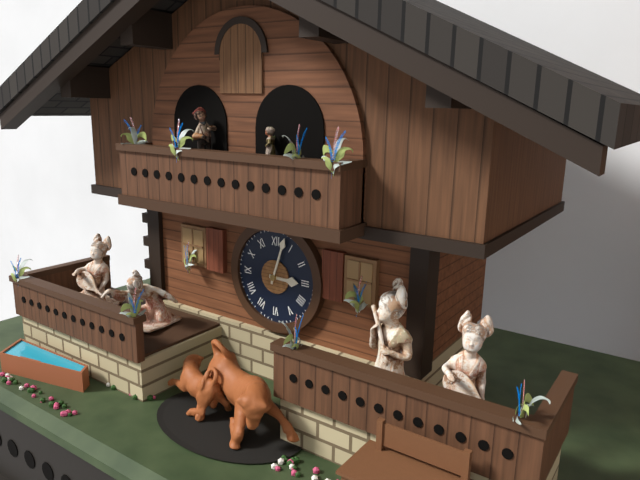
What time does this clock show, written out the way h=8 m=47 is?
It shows h=3 m=3
